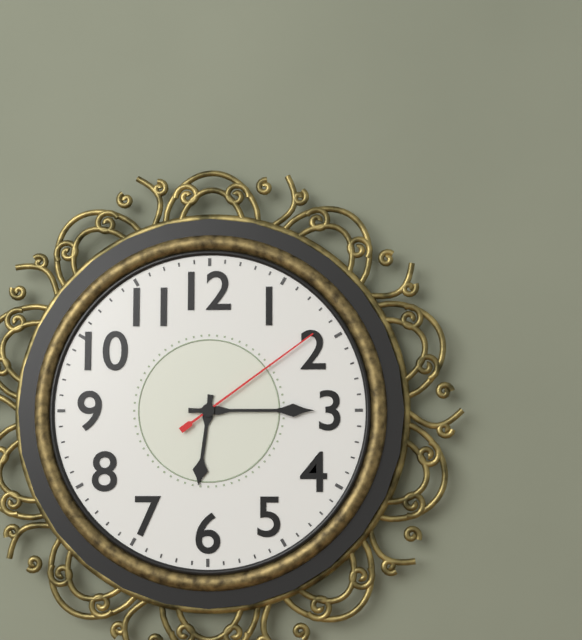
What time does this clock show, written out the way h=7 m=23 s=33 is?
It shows h=6 m=15 s=9
